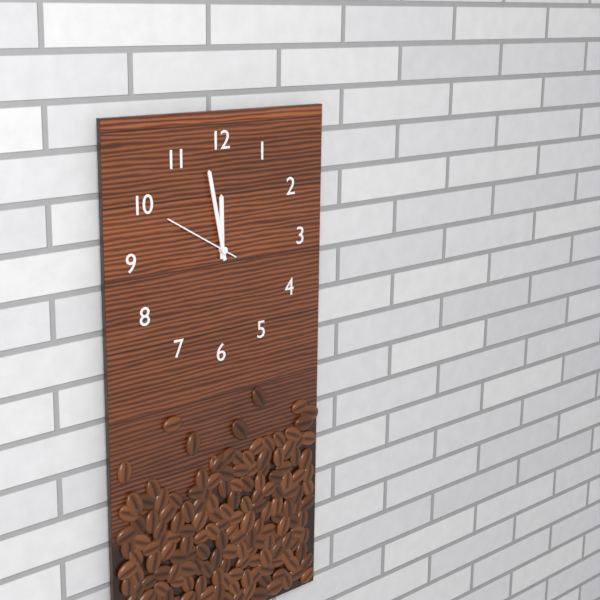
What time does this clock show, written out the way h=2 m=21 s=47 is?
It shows h=11 m=58 s=50
